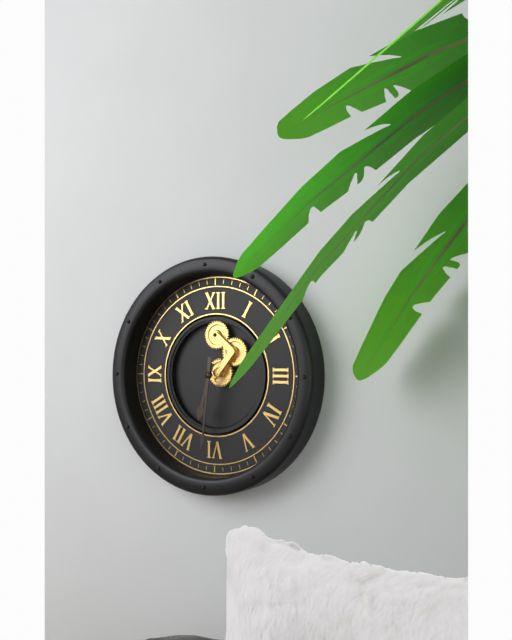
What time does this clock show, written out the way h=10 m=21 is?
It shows h=6 m=31
